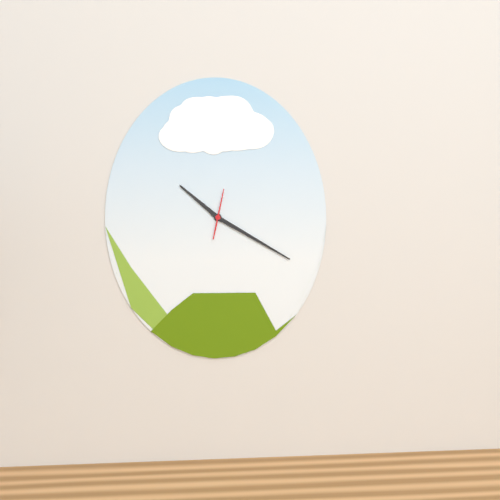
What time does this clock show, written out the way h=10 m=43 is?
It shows h=10 m=20
